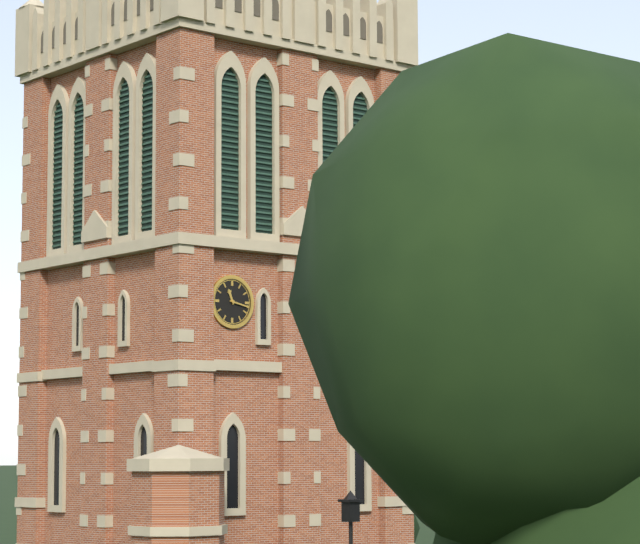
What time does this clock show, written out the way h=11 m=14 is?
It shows h=11 m=17
